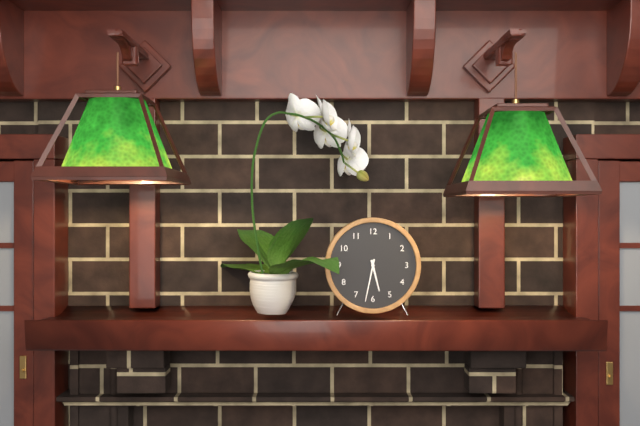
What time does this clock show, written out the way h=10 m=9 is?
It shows h=5 m=32
